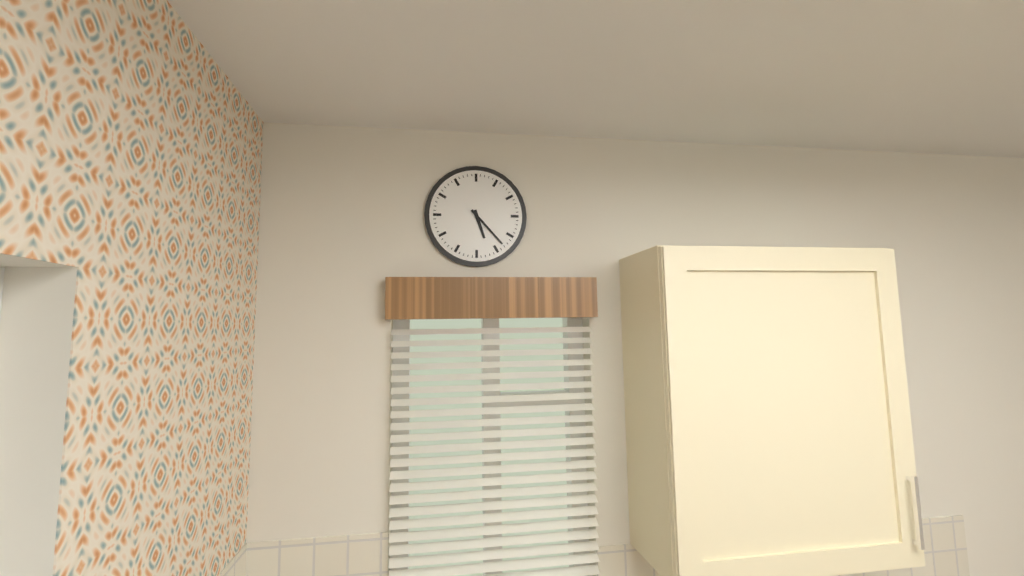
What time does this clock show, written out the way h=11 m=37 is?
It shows h=5 m=23
